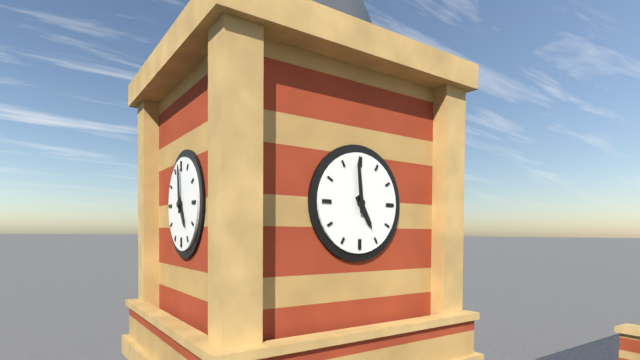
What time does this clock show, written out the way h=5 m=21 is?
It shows h=4 m=59
